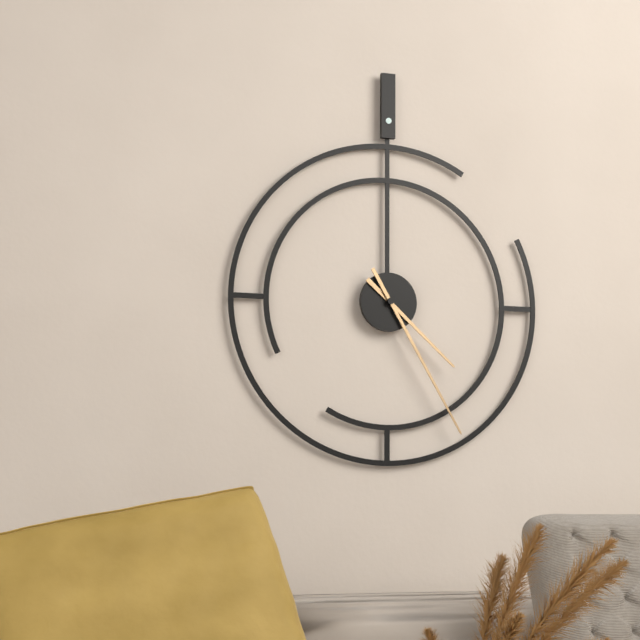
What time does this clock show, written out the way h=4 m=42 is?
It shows h=4 m=25
